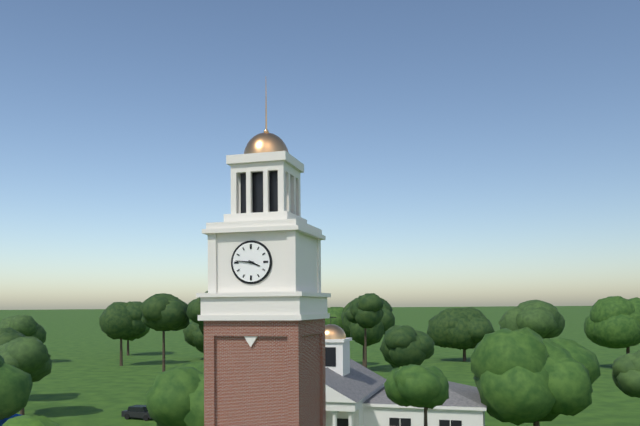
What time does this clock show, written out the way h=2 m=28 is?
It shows h=3 m=46
